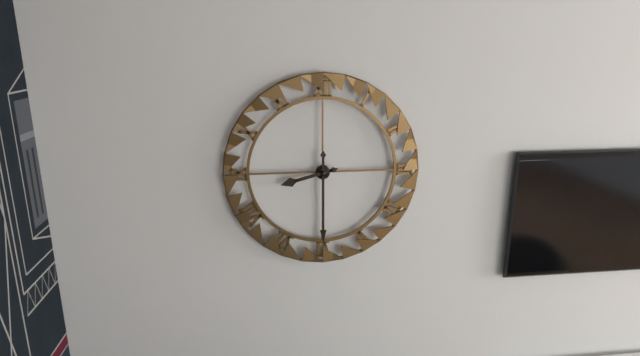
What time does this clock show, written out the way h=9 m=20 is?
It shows h=8 m=30
